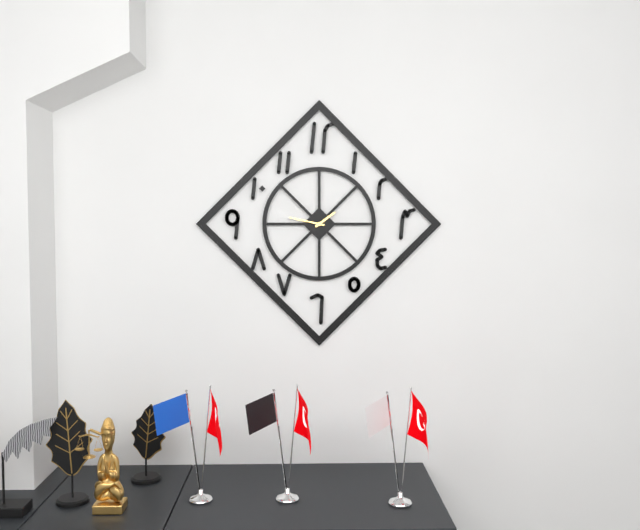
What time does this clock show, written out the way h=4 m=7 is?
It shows h=1 m=47
